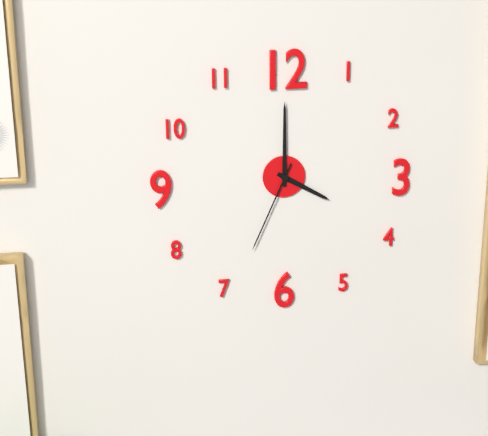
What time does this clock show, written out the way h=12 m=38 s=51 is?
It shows h=4 m=0 s=34
